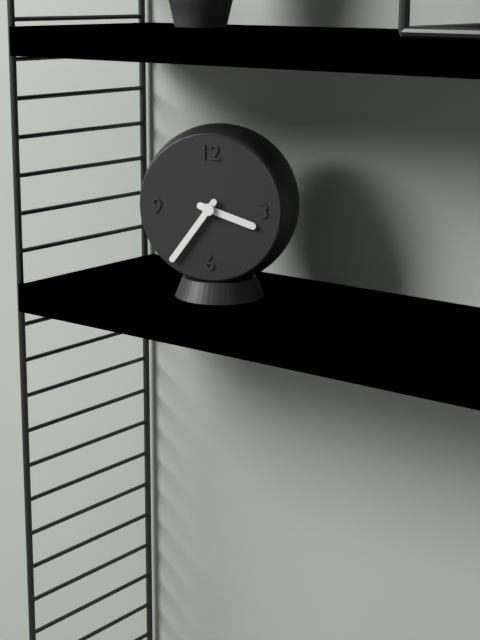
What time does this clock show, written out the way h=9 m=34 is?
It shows h=3 m=36
